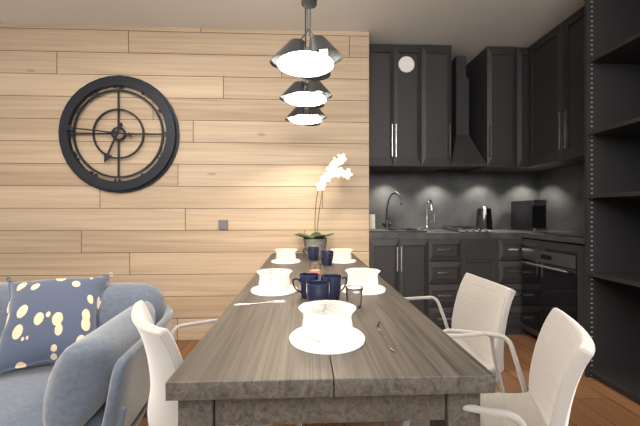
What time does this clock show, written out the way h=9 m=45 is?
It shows h=6 m=46
